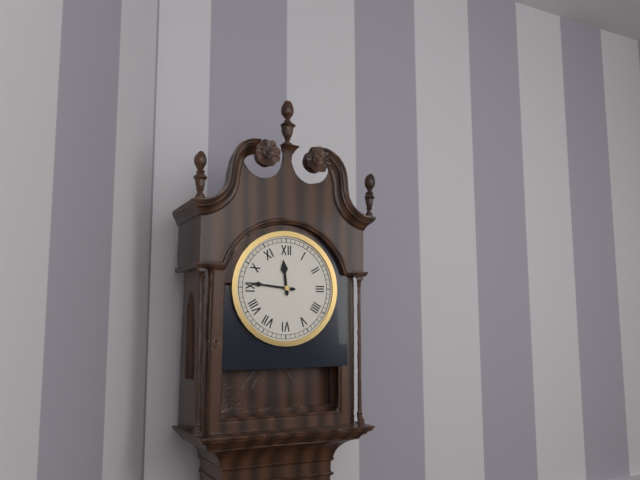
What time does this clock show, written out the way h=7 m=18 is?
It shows h=11 m=46
